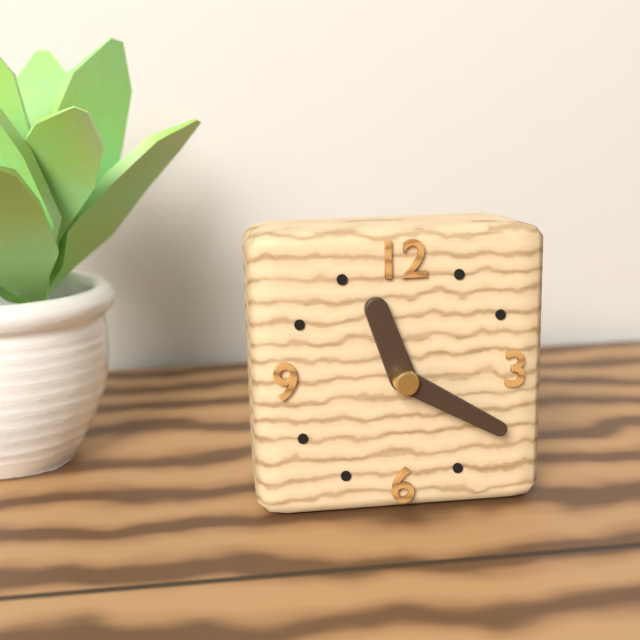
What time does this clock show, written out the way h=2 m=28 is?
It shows h=11 m=20
